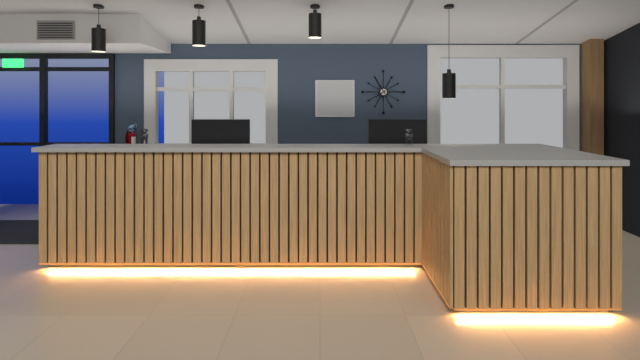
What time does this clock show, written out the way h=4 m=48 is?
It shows h=7 m=55
